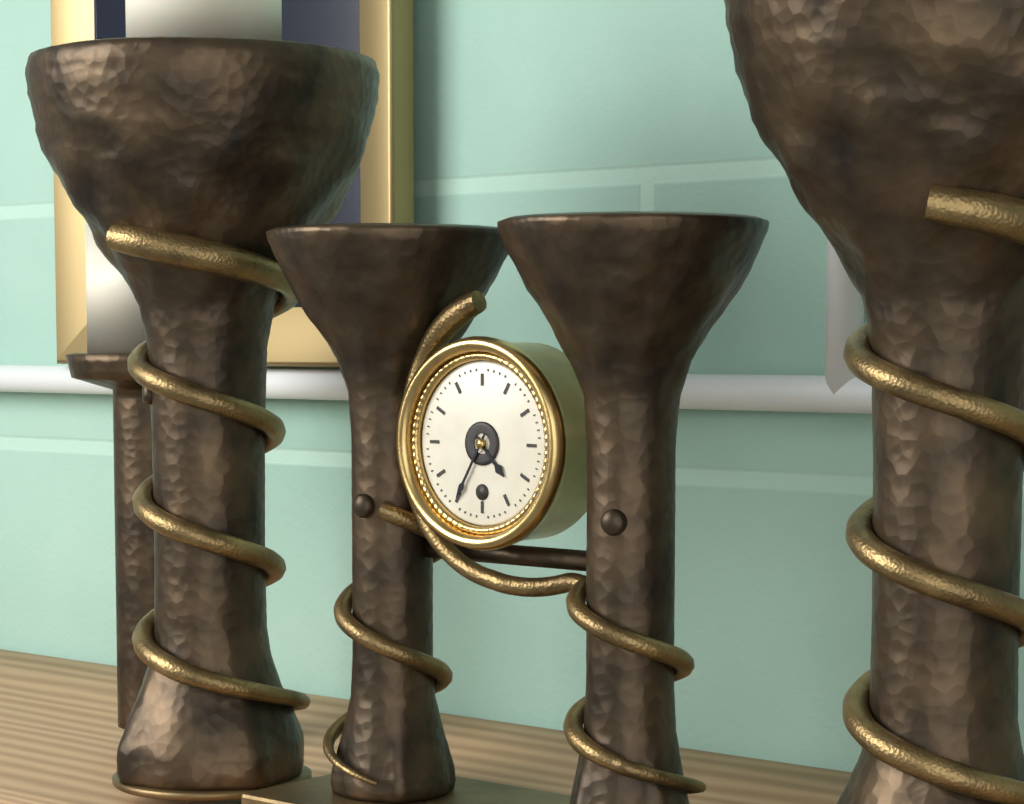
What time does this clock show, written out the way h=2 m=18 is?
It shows h=4 m=35
